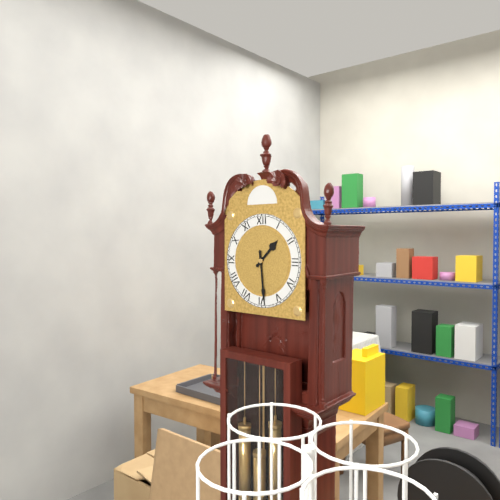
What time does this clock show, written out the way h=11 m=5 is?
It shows h=1 m=29
